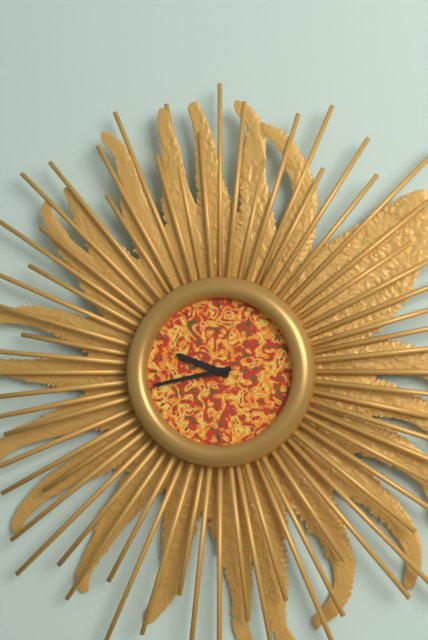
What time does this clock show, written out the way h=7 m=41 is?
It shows h=9 m=43
